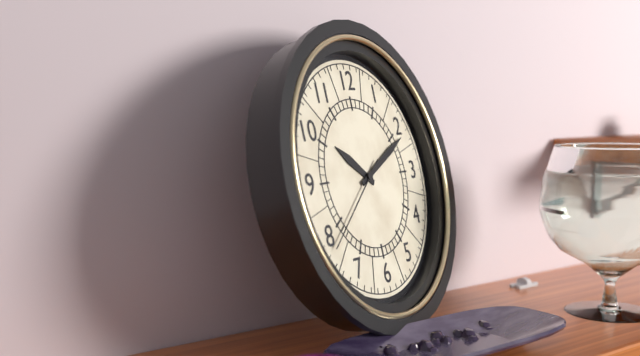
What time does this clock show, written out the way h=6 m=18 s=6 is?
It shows h=10 m=11 s=39
